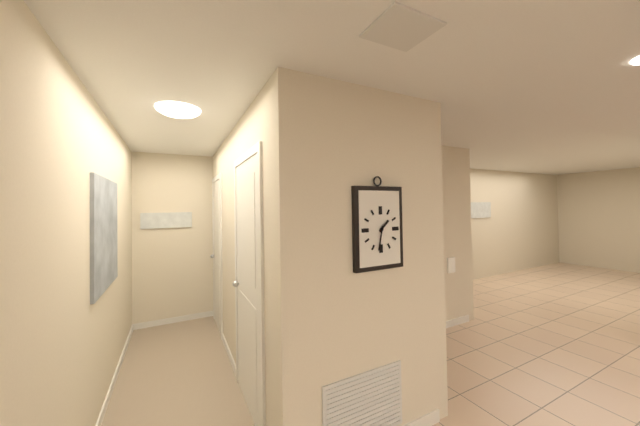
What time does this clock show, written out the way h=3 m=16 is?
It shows h=1 m=32
